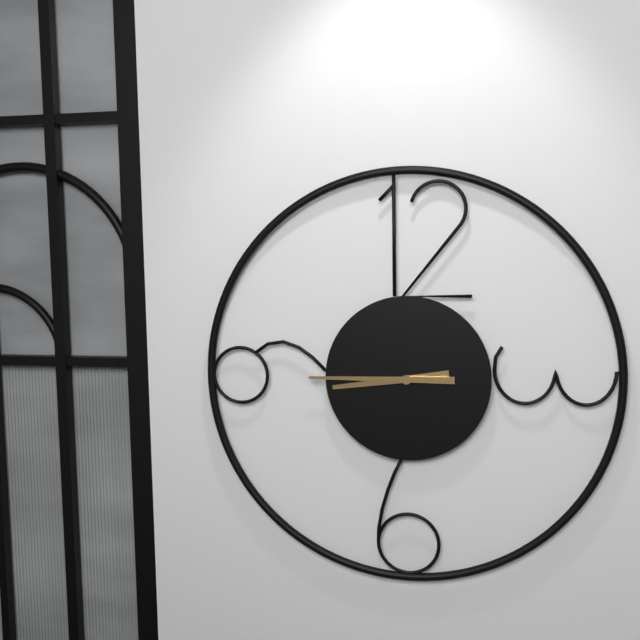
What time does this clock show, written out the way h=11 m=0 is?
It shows h=8 m=45
